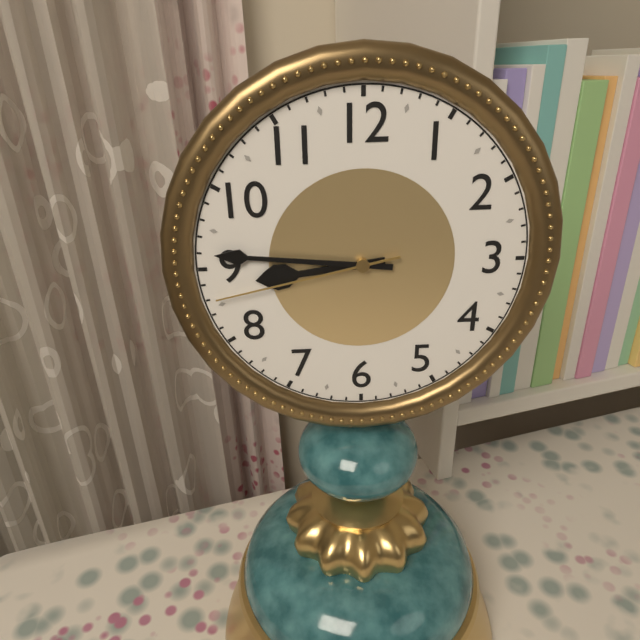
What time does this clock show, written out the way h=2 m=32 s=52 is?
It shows h=8 m=46 s=43
